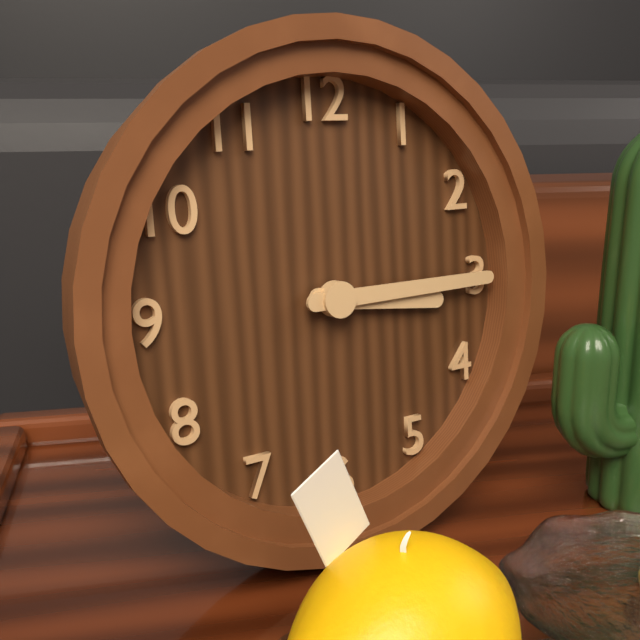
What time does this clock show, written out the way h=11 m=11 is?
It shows h=3 m=15
